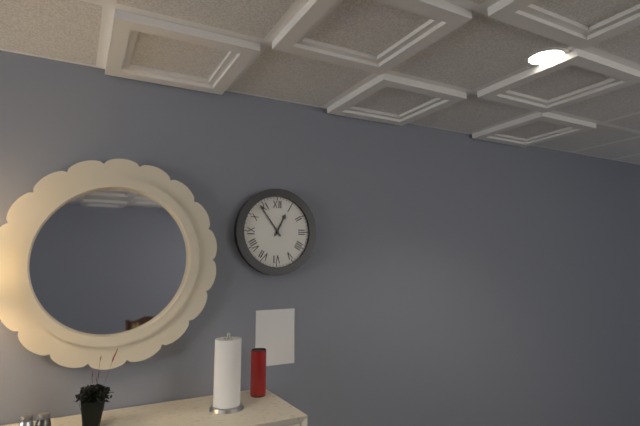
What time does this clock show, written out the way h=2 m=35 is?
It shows h=12 m=54
